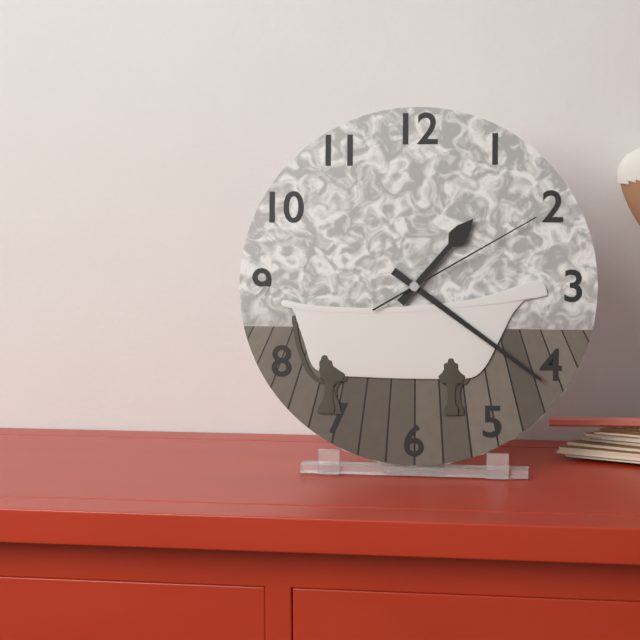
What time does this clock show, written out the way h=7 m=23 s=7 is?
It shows h=1 m=21 s=10
